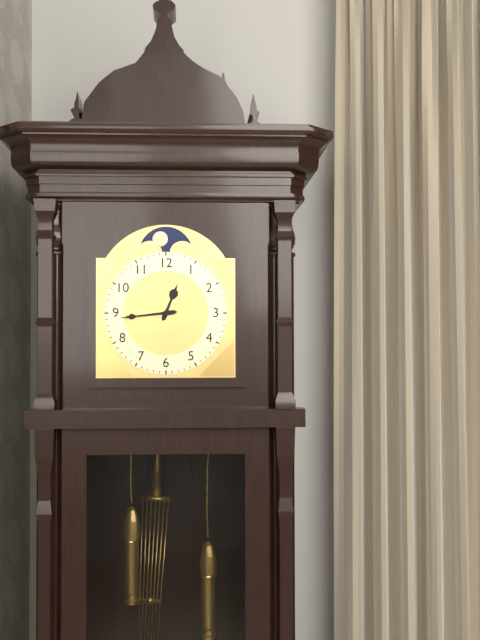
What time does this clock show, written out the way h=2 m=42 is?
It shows h=12 m=44
